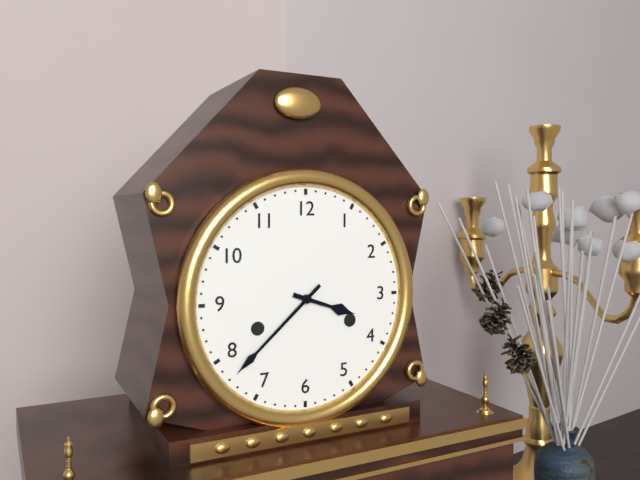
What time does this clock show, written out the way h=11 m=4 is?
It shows h=3 m=38
